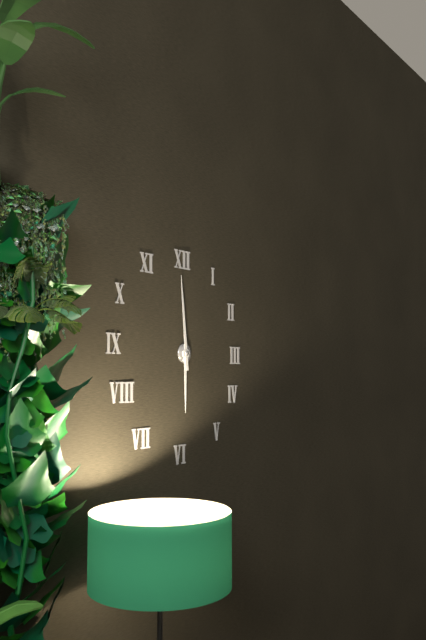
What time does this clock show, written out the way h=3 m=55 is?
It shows h=5 m=59
